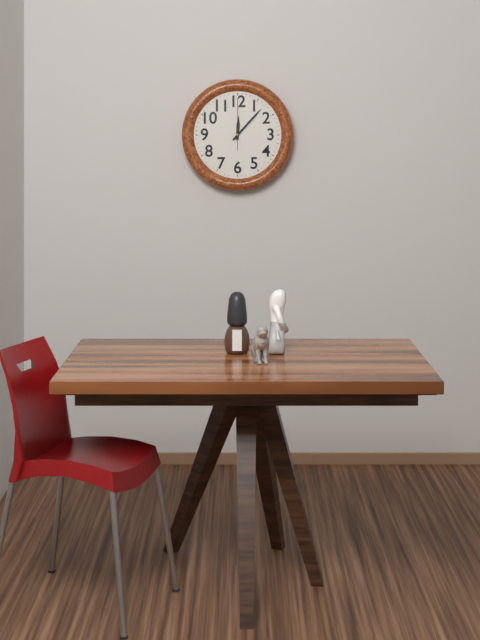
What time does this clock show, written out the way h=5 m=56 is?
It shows h=12 m=7
